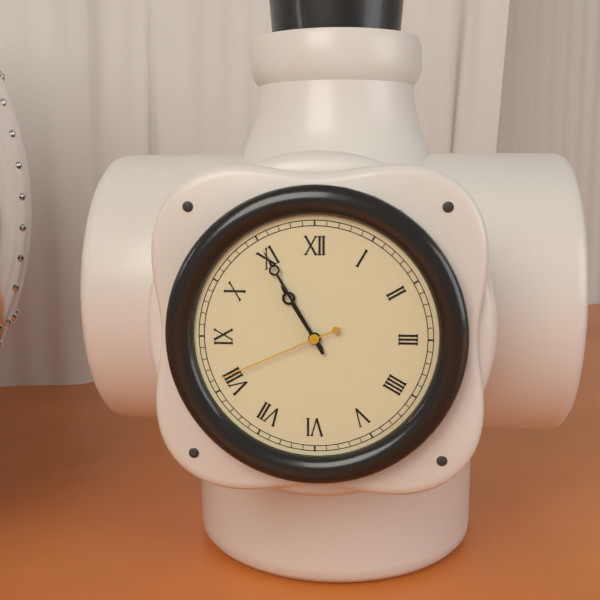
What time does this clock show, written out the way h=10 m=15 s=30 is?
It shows h=10 m=55 s=41
